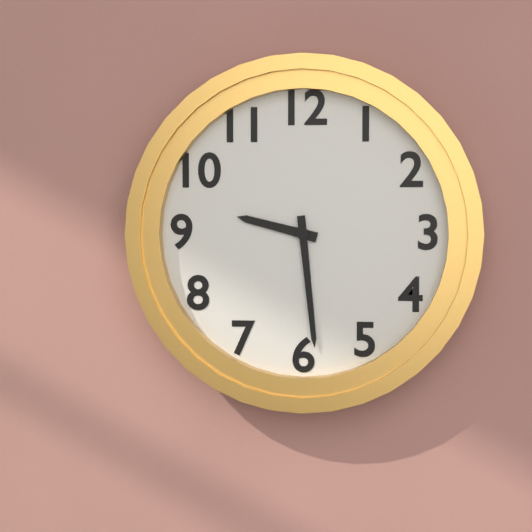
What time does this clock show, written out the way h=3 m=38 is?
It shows h=9 m=29
